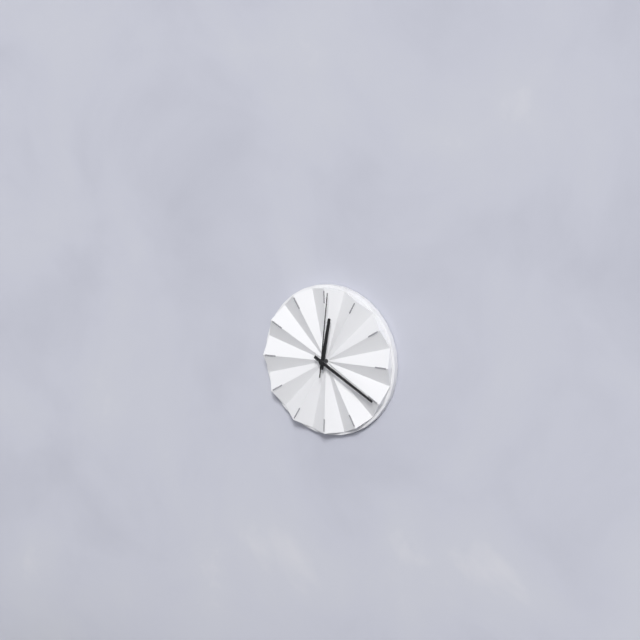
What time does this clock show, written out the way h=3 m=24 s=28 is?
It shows h=12 m=20 s=1
